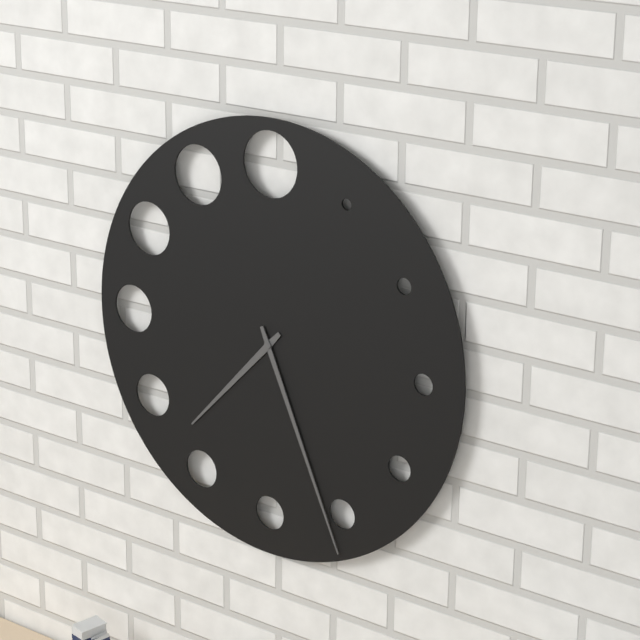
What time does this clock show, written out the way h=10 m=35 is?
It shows h=7 m=26
